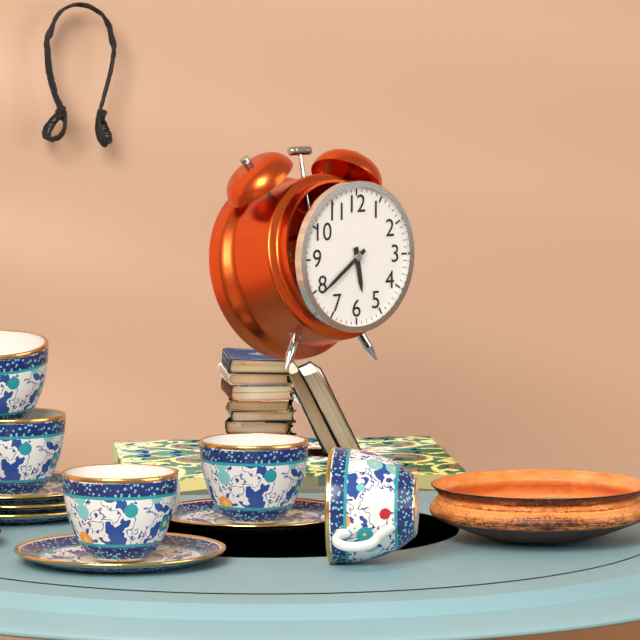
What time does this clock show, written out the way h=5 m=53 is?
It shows h=5 m=39
